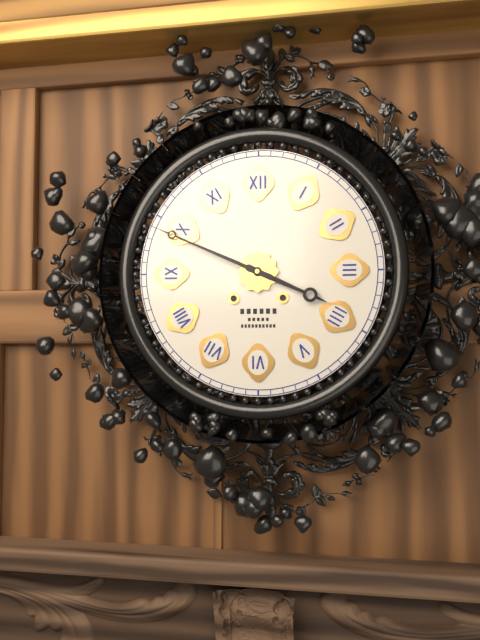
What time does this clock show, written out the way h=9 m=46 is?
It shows h=3 m=49
